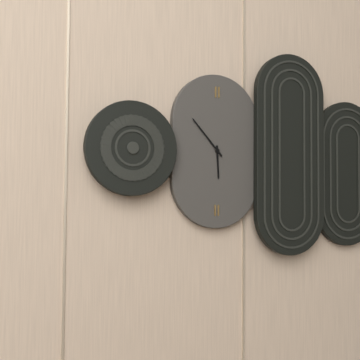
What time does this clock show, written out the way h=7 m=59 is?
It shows h=5 m=53
